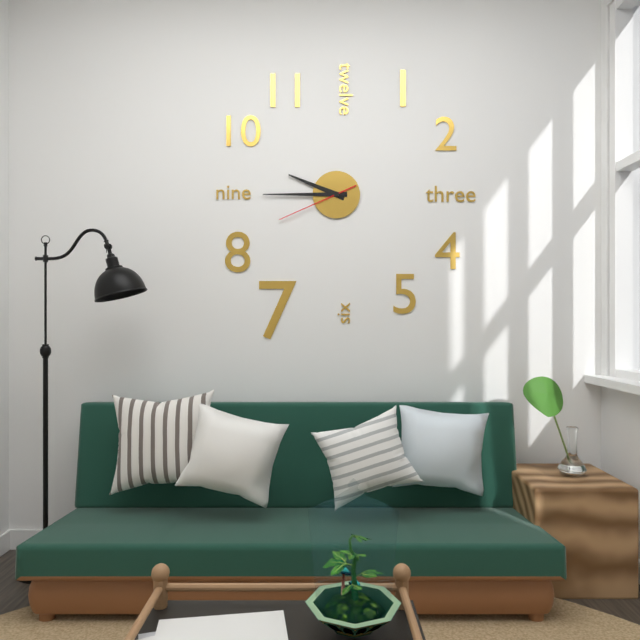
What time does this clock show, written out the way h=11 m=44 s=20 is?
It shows h=9 m=45 s=41
